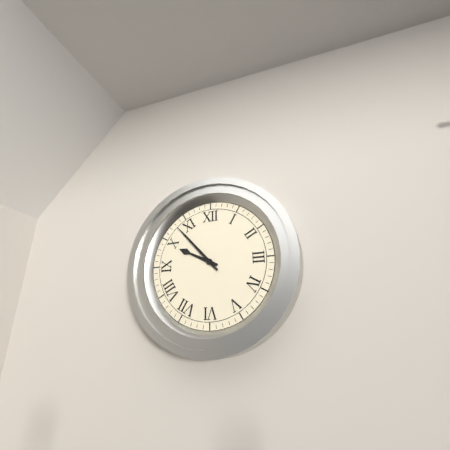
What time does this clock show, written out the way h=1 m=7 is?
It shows h=9 m=53
